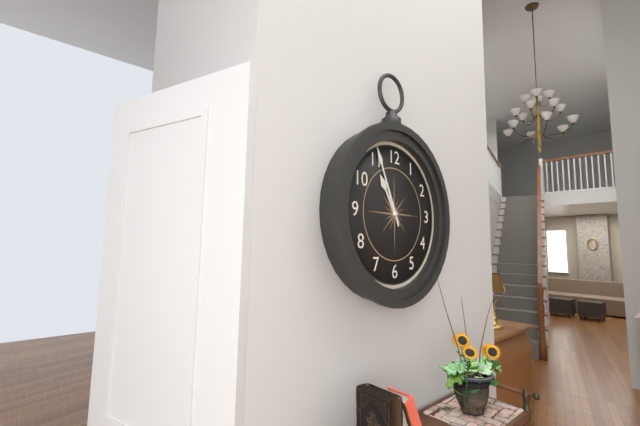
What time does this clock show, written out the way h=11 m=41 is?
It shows h=10 m=56
